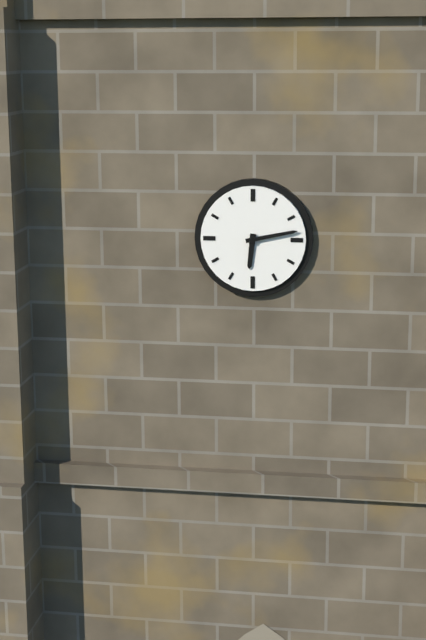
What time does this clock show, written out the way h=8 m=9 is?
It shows h=6 m=13
